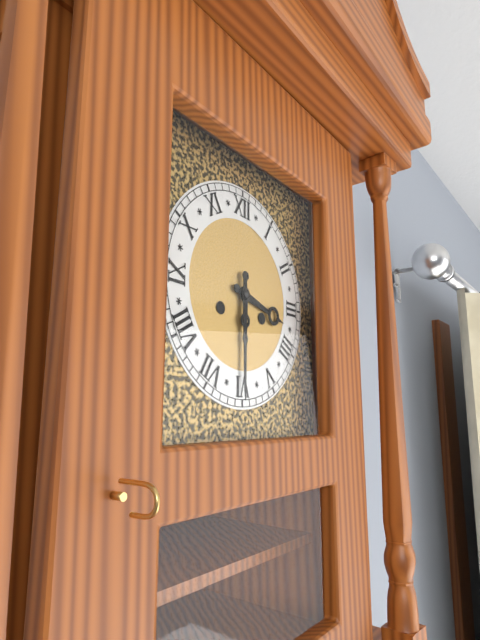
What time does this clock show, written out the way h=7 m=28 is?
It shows h=3 m=30
